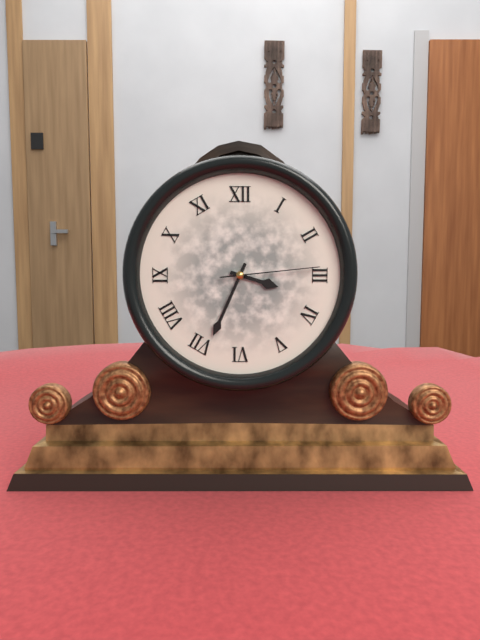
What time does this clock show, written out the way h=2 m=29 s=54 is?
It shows h=3 m=34 s=14
